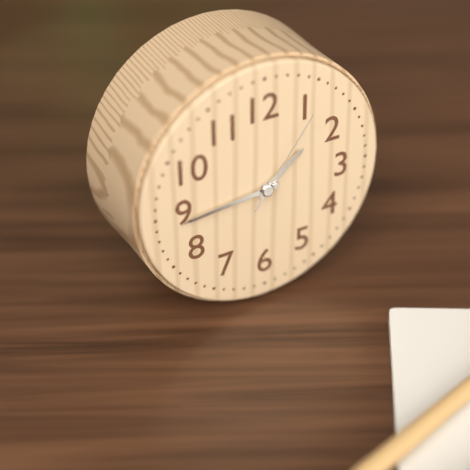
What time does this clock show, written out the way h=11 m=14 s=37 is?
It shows h=1 m=44 s=6
